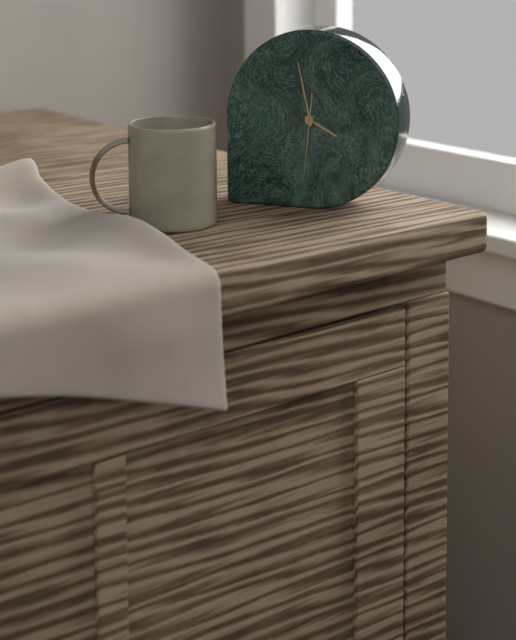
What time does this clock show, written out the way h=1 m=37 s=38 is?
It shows h=3 m=58 s=31
